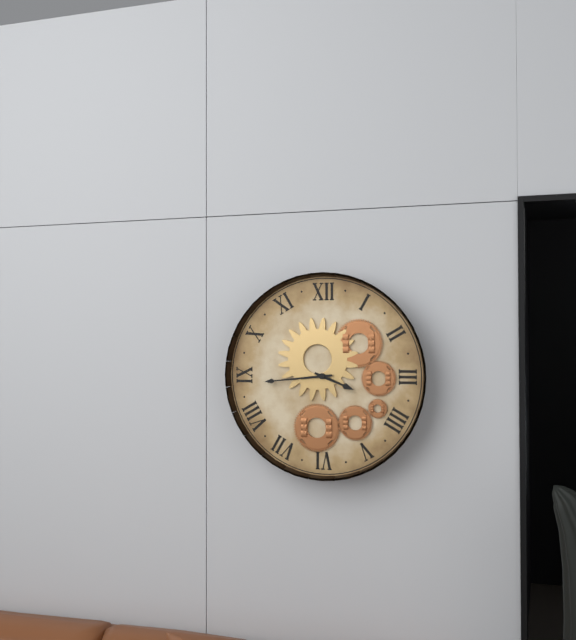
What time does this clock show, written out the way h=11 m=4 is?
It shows h=3 m=44
